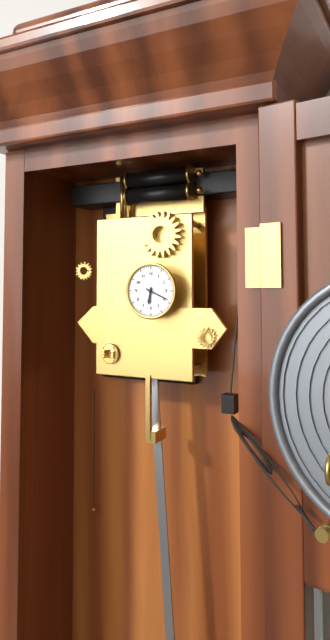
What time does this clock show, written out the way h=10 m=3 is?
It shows h=6 m=19
